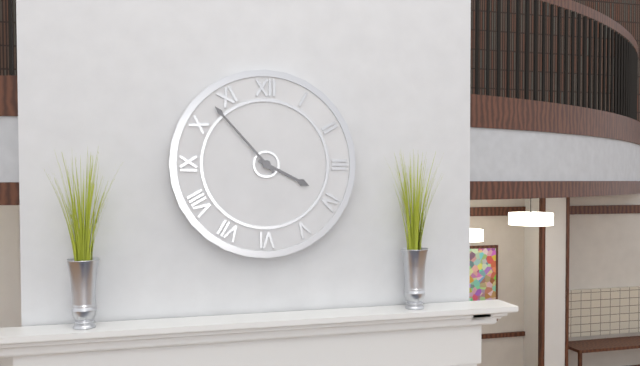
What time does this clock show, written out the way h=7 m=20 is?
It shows h=3 m=53
